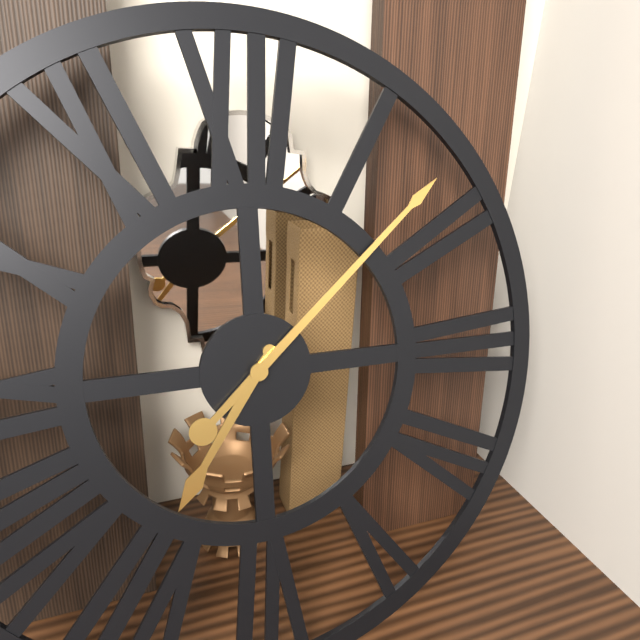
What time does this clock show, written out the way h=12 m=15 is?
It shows h=7 m=8
